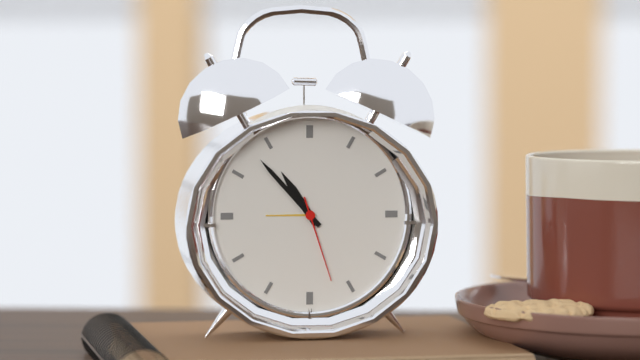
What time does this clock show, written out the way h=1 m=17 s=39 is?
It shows h=10 m=53 s=27
